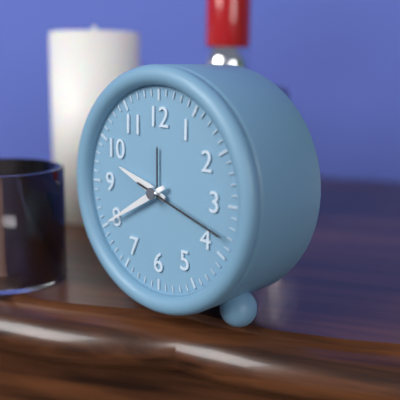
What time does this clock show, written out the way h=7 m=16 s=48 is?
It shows h=9 m=40 s=18
